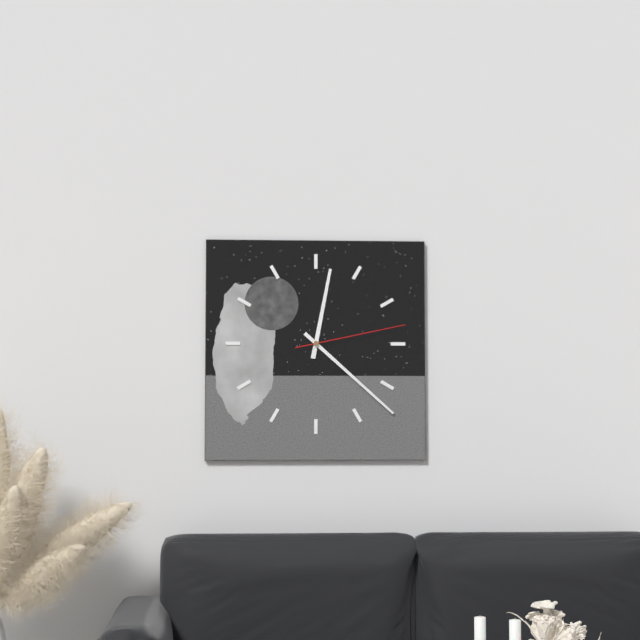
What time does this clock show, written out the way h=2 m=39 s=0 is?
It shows h=12 m=22 s=13
